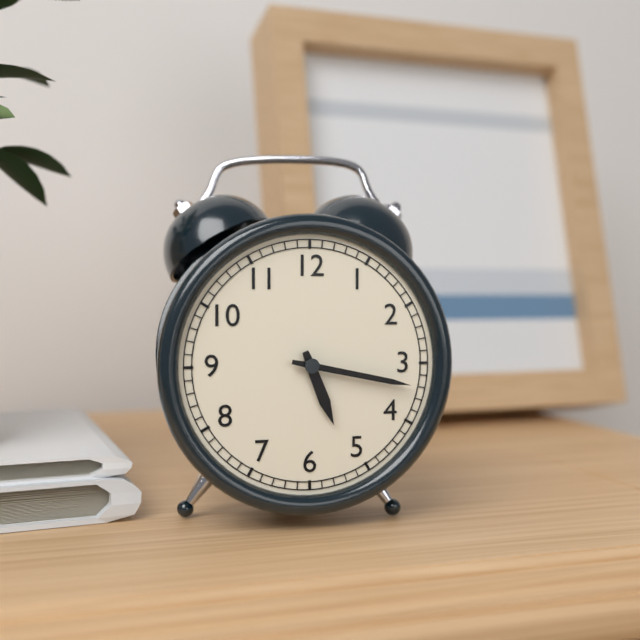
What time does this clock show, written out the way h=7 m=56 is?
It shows h=5 m=17
